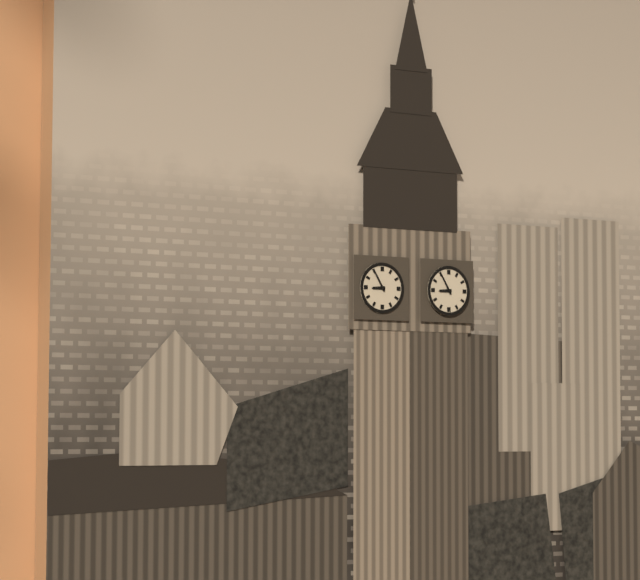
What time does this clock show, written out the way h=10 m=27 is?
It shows h=8 m=55
